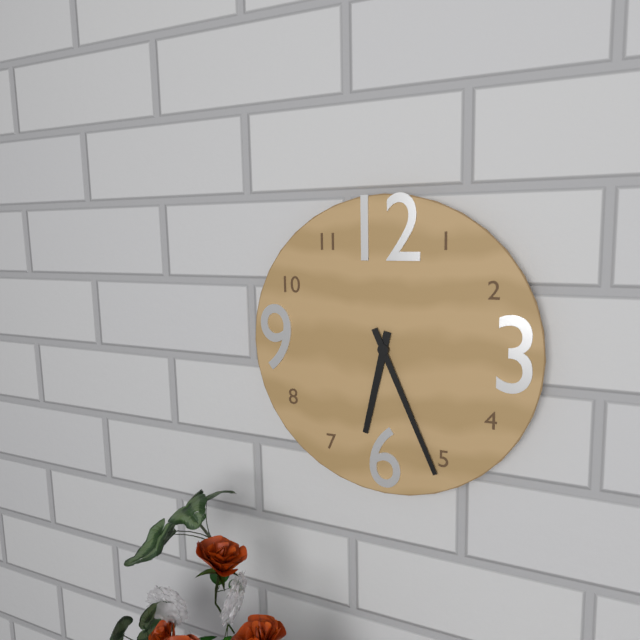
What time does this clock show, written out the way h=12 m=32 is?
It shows h=6 m=26
